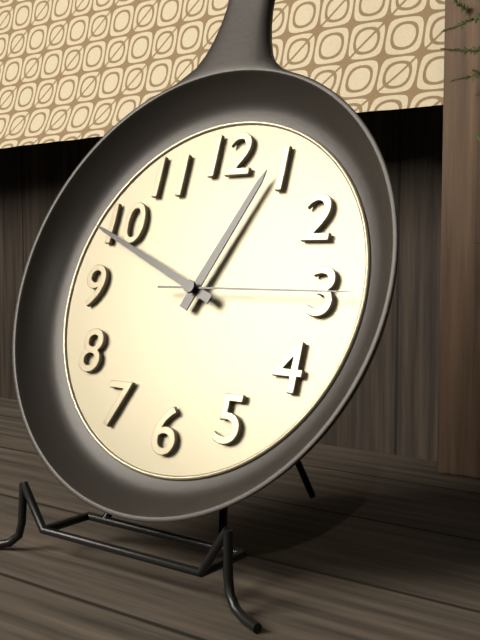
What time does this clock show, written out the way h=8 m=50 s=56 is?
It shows h=12 m=49 s=15
